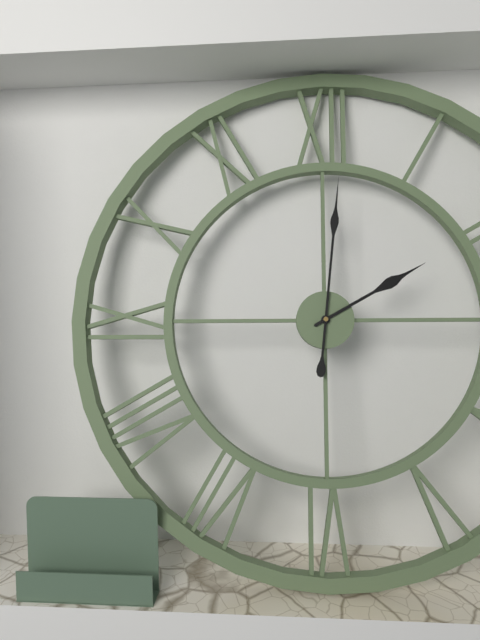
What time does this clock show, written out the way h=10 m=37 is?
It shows h=2 m=1
